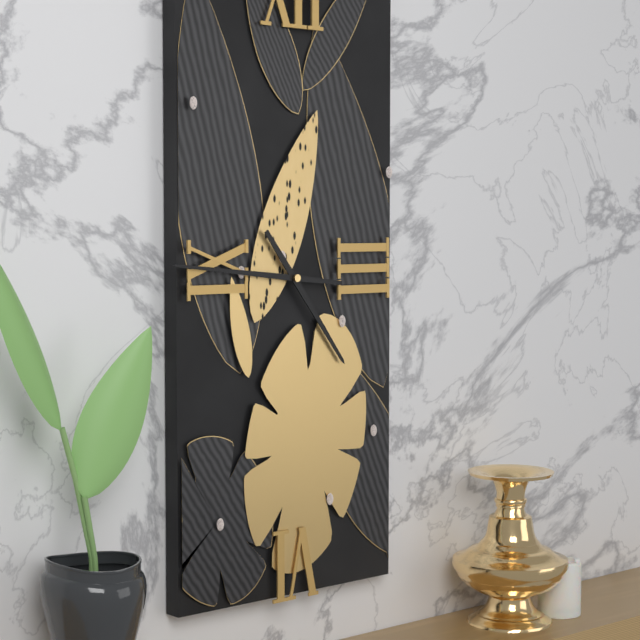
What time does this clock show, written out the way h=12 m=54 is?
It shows h=4 m=46
